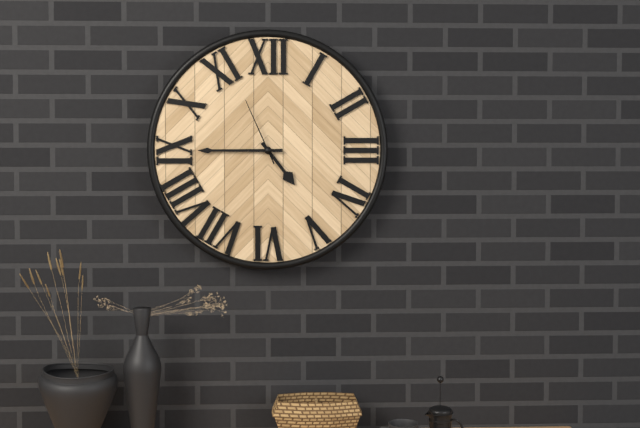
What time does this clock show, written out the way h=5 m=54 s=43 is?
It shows h=4 m=45 s=56
